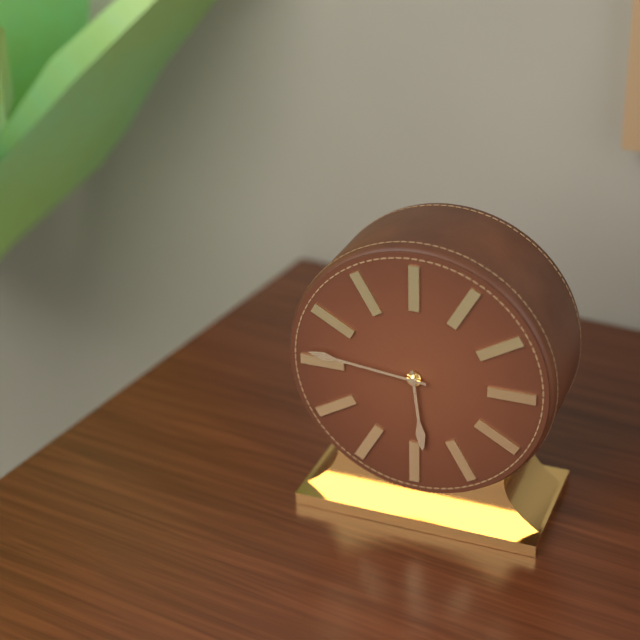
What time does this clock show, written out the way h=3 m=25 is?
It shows h=5 m=46
